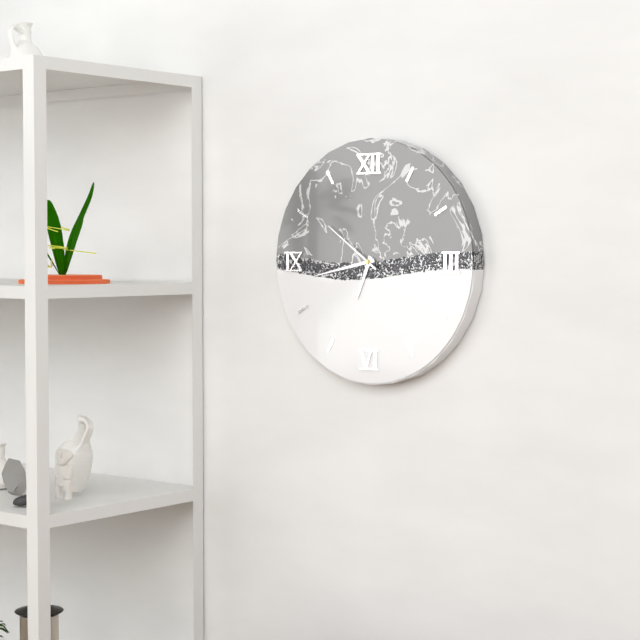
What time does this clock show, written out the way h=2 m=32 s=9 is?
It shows h=6 m=43 s=51
